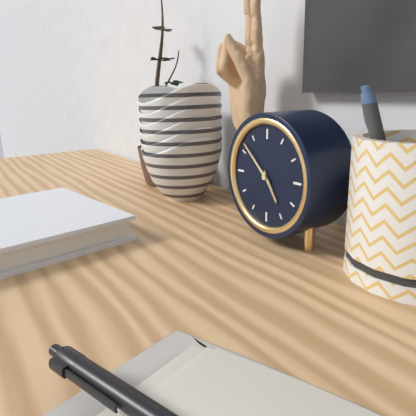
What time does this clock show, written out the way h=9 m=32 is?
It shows h=4 m=52
